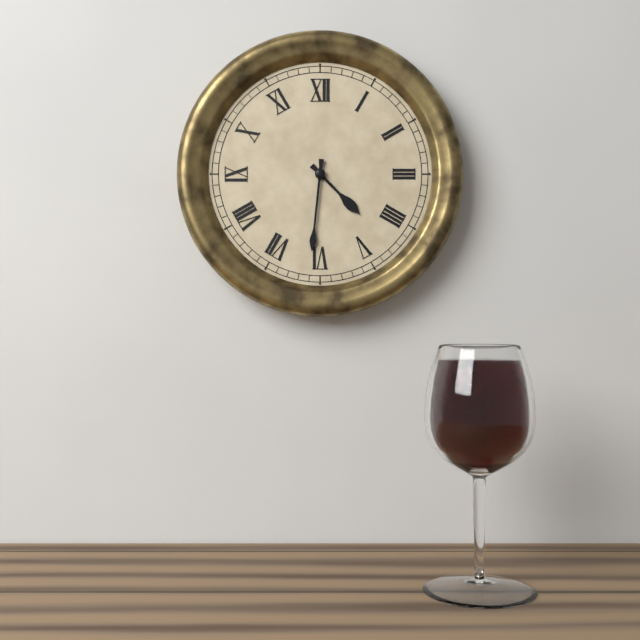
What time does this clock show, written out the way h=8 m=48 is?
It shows h=4 m=31
